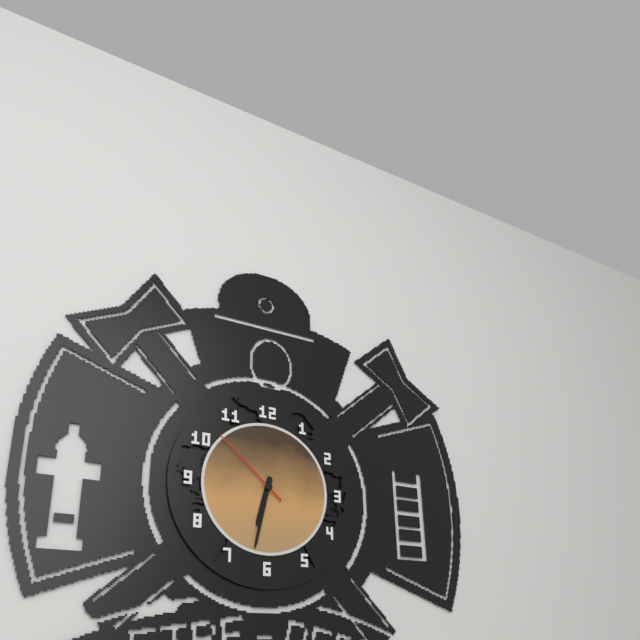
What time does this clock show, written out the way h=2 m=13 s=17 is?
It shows h=6 m=32 s=52
